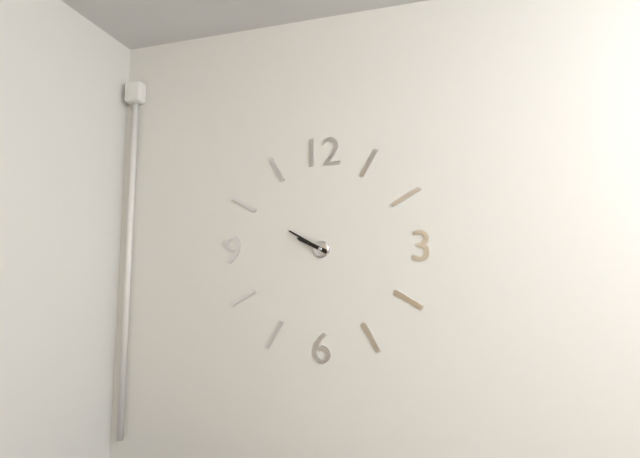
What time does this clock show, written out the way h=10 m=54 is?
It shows h=9 m=50
